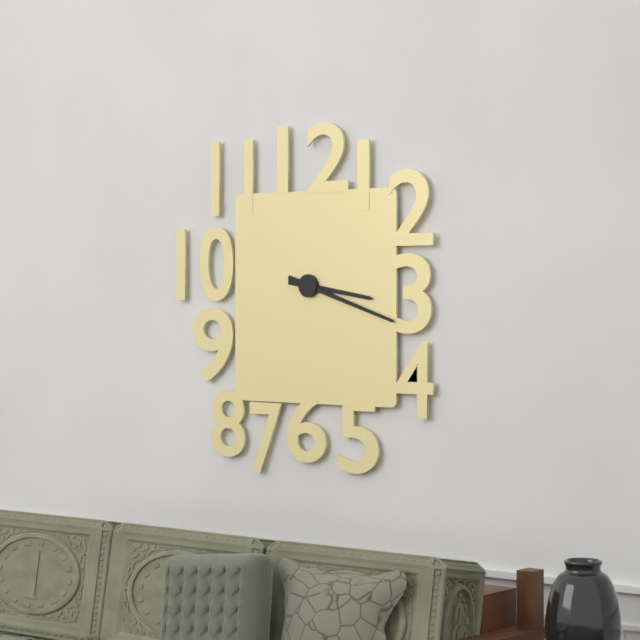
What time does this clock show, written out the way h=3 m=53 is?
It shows h=3 m=18
